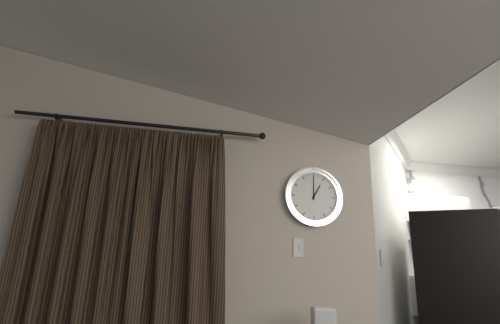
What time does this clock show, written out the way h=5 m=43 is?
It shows h=1 m=0
